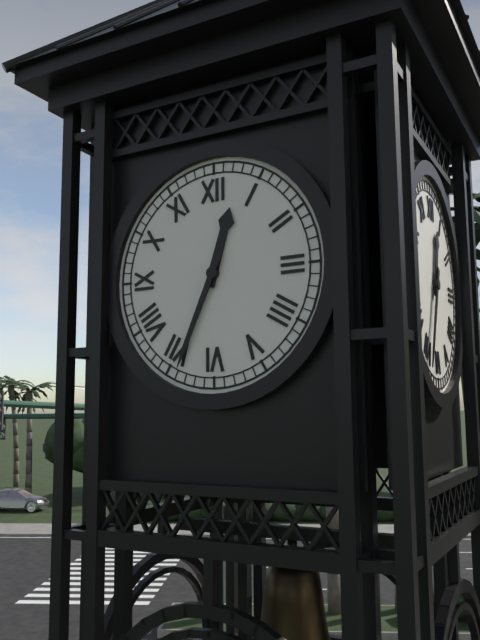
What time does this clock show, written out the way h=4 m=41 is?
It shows h=12 m=34
